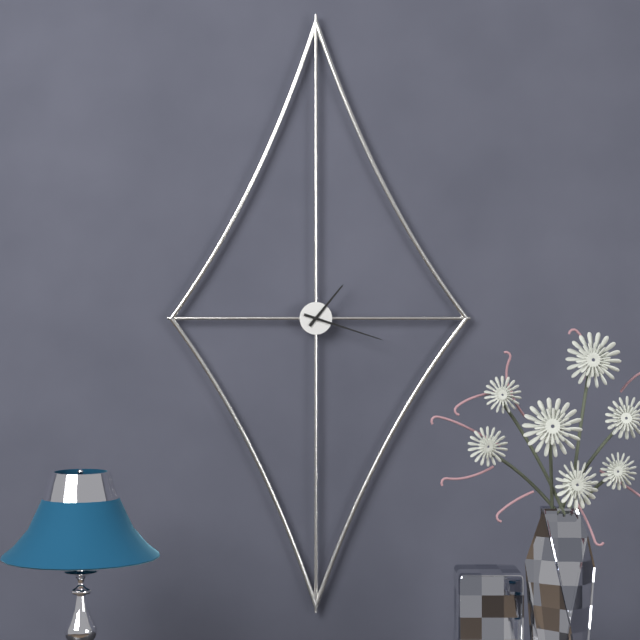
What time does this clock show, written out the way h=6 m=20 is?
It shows h=1 m=18
